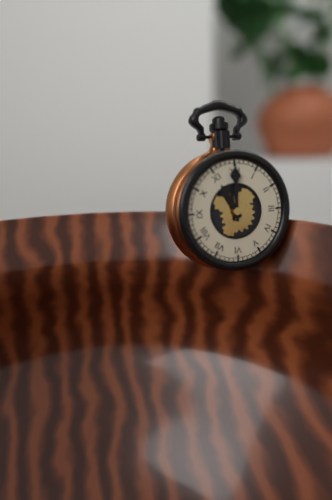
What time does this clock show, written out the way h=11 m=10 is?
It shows h=11 m=0
